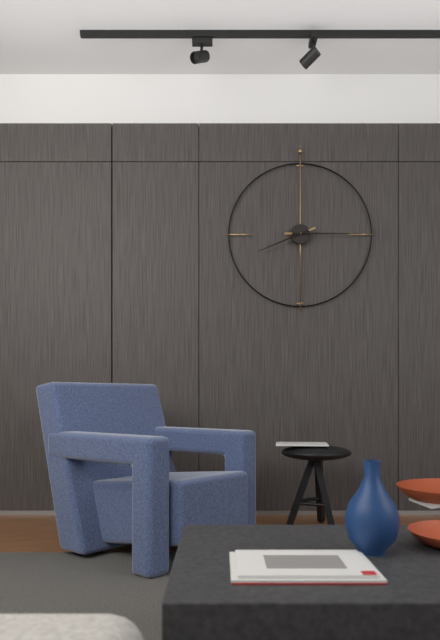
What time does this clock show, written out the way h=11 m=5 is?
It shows h=8 m=15
